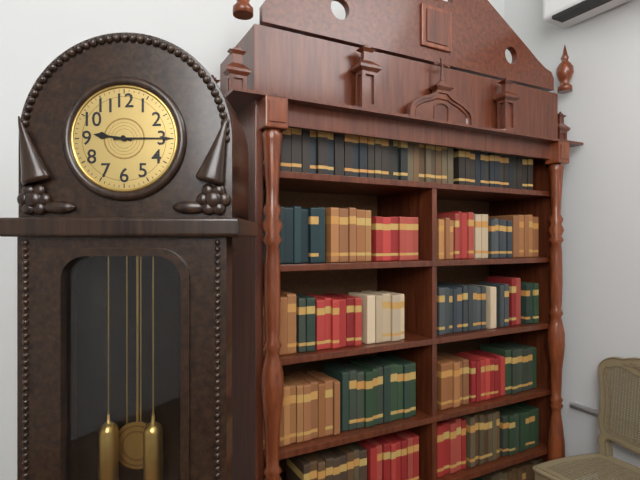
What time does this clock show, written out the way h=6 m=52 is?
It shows h=9 m=15
